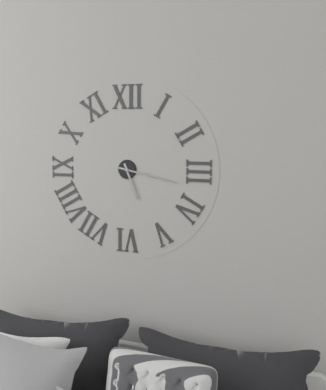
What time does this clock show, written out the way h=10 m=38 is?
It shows h=5 m=17
